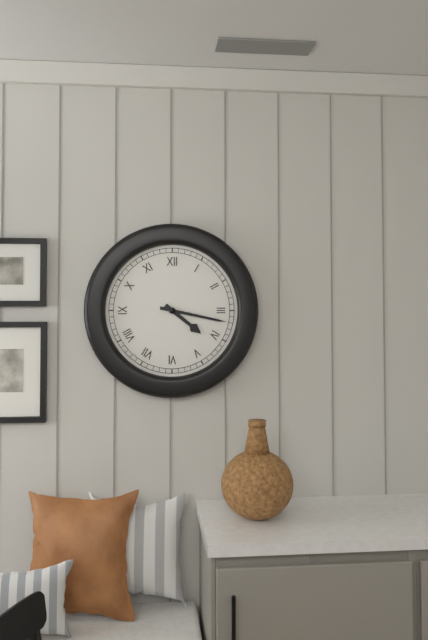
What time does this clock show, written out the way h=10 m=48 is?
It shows h=4 m=17
